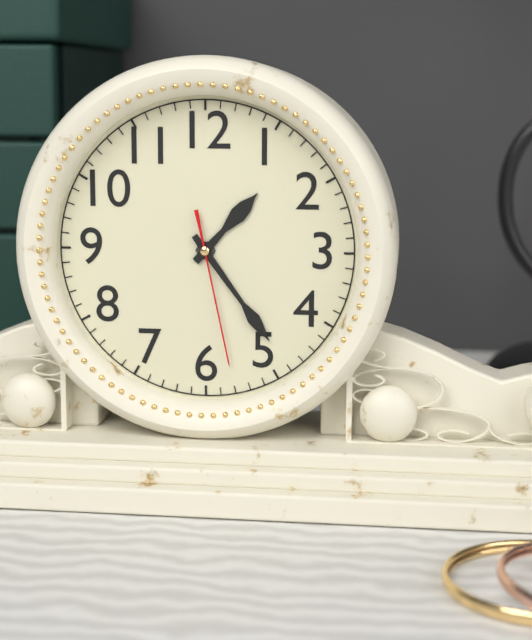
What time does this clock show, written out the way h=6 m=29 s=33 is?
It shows h=1 m=24 s=28
